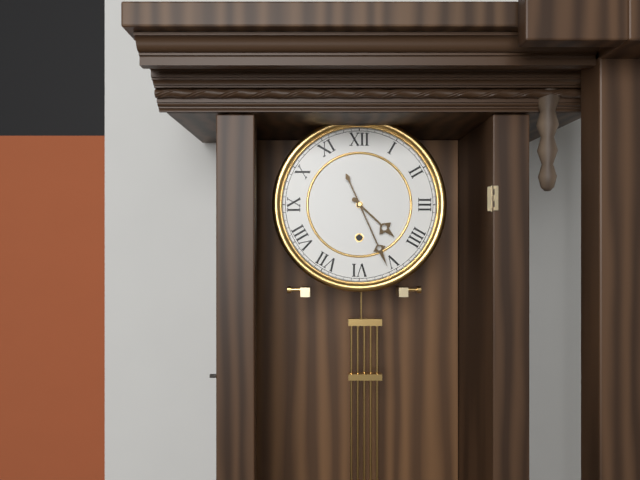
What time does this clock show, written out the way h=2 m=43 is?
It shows h=4 m=26
